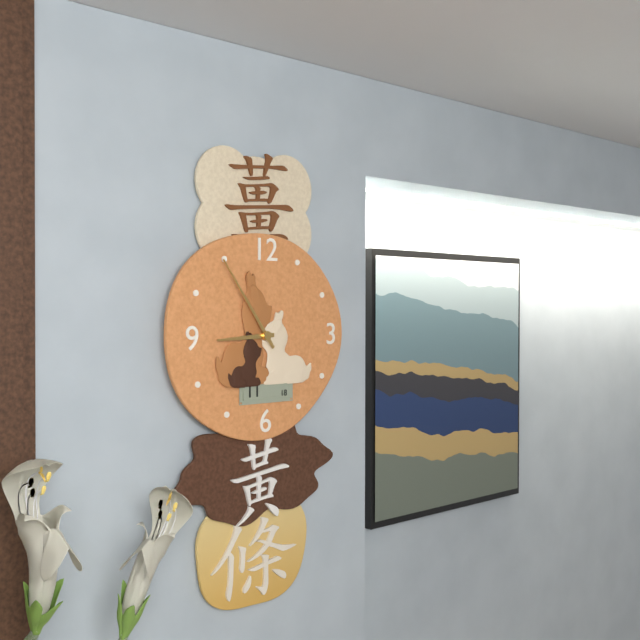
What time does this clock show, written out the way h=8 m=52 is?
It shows h=8 m=54
